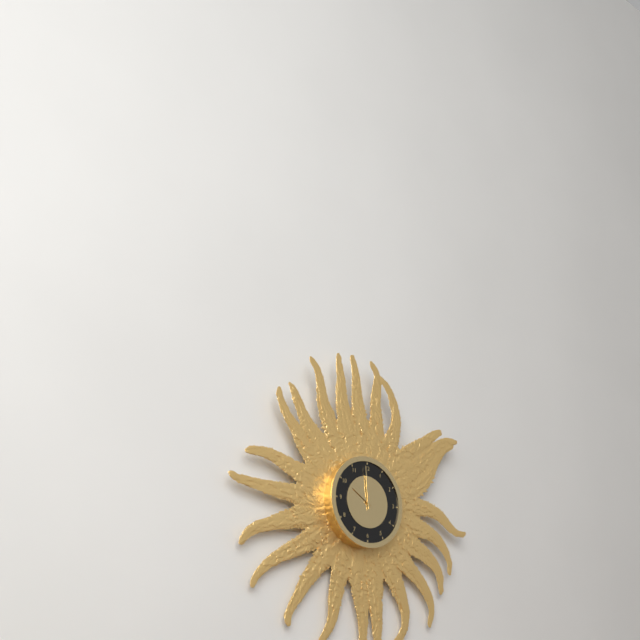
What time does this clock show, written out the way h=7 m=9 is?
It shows h=9 m=59
